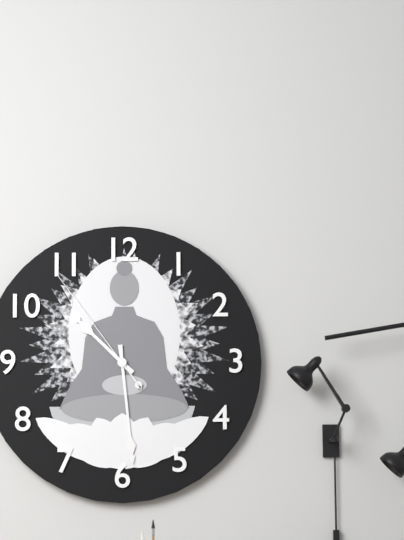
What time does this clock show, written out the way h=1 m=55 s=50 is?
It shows h=10 m=29 s=54
